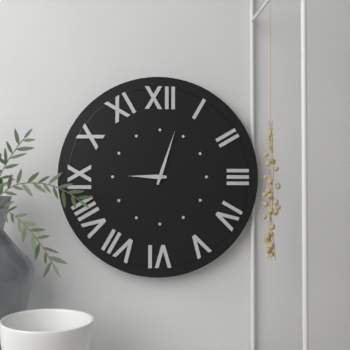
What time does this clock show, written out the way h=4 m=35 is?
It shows h=9 m=3
